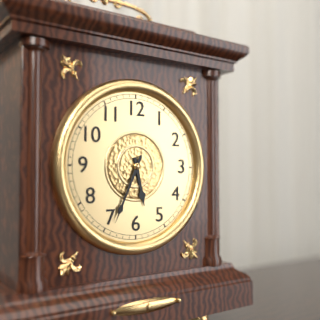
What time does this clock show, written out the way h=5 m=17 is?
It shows h=5 m=34
